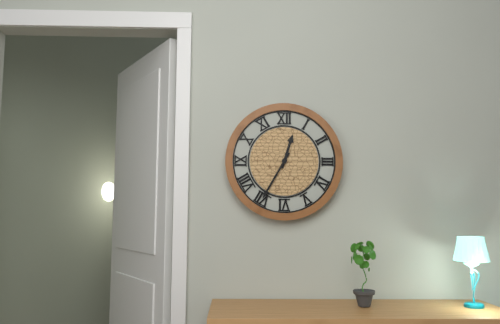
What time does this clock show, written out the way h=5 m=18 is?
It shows h=12 m=35
